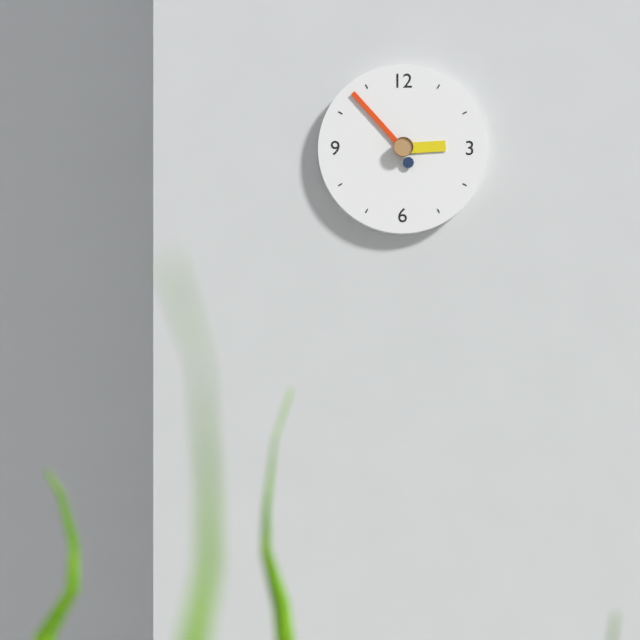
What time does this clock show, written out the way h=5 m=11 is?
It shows h=2 m=53
